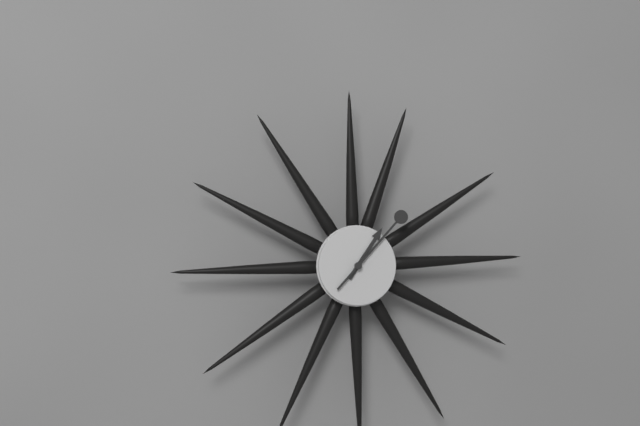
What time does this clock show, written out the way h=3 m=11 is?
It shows h=1 m=7
